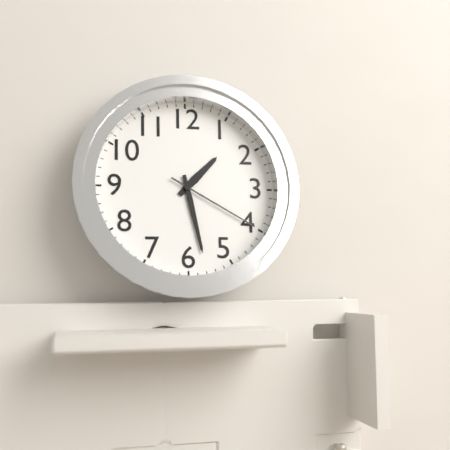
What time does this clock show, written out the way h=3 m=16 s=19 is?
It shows h=1 m=28 s=20
